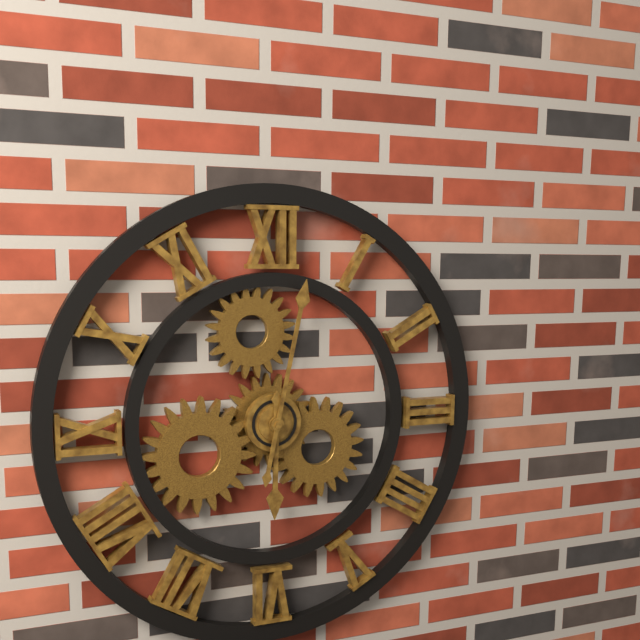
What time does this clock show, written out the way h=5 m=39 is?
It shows h=6 m=2
